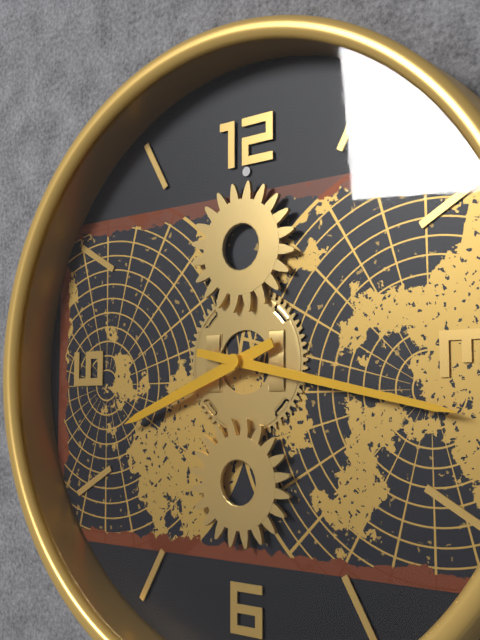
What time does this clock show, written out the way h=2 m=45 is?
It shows h=8 m=17
